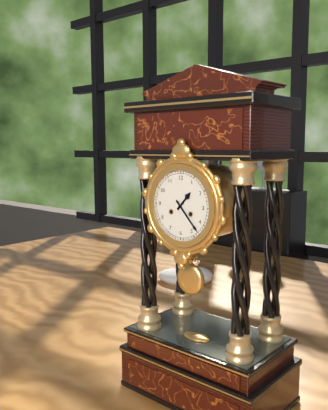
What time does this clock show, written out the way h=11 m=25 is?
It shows h=1 m=23
